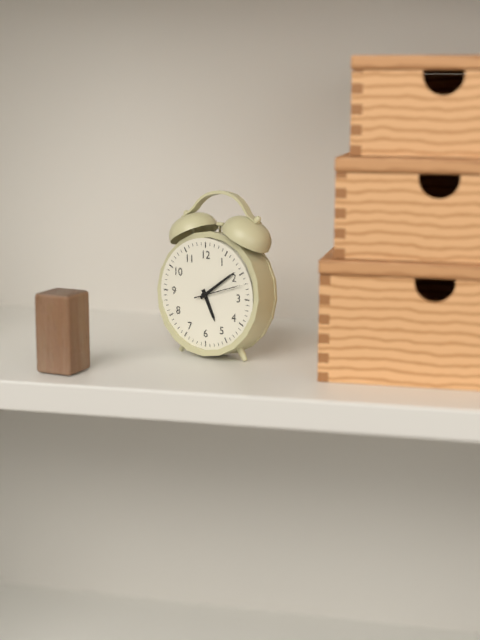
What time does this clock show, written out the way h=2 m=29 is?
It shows h=5 m=9
